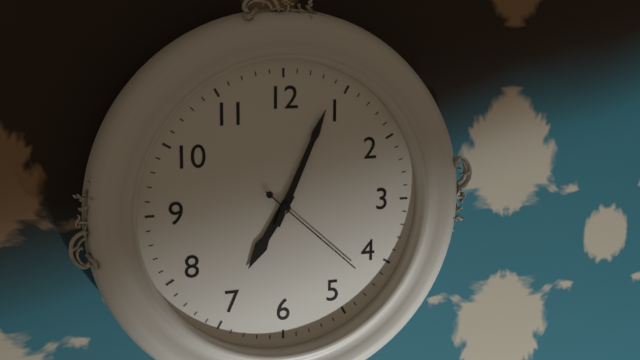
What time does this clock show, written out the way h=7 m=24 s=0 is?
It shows h=7 m=4 s=22
